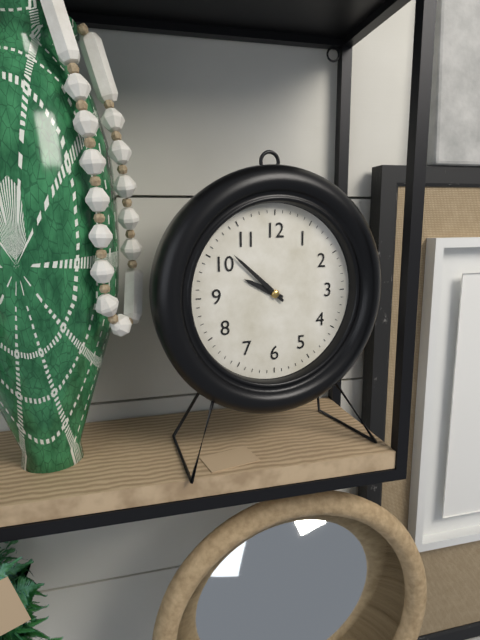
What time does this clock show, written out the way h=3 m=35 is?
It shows h=9 m=52
